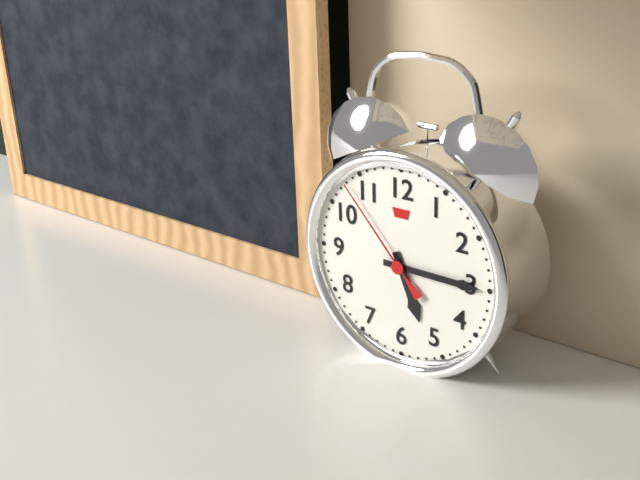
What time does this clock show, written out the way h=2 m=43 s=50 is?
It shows h=5 m=15 s=53
